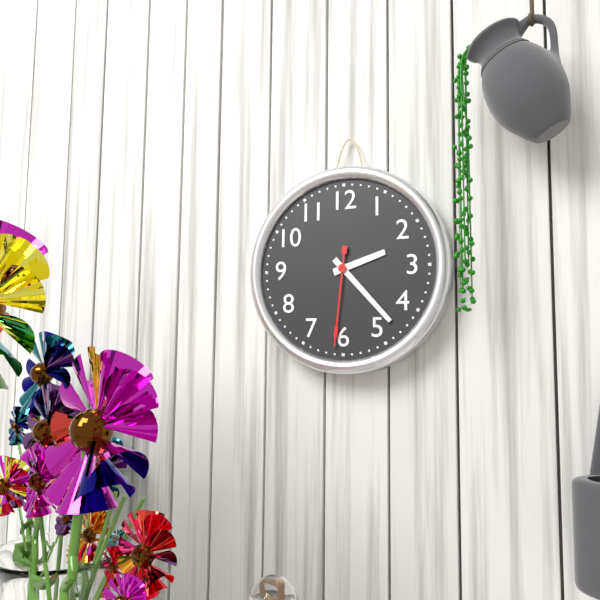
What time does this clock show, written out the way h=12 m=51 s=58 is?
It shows h=2 m=23 s=31
